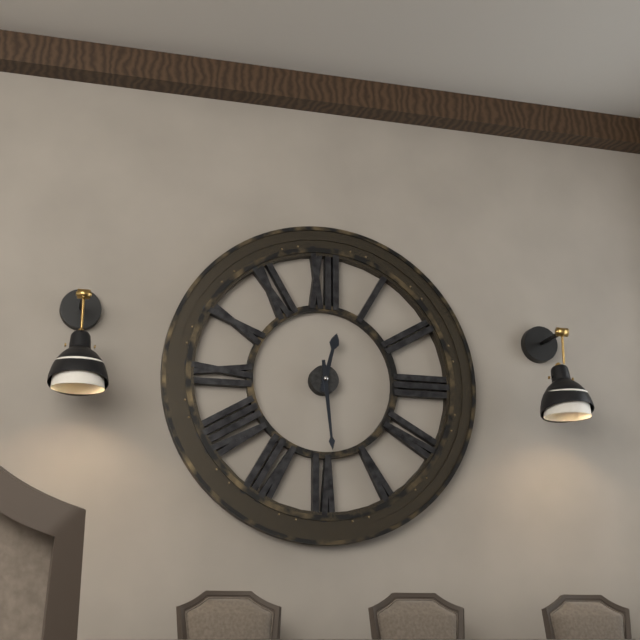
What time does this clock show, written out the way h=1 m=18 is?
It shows h=12 m=29
